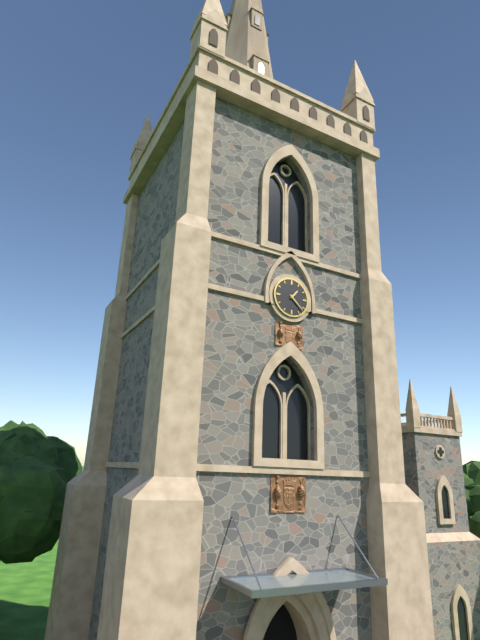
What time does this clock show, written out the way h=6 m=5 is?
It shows h=1 m=22
